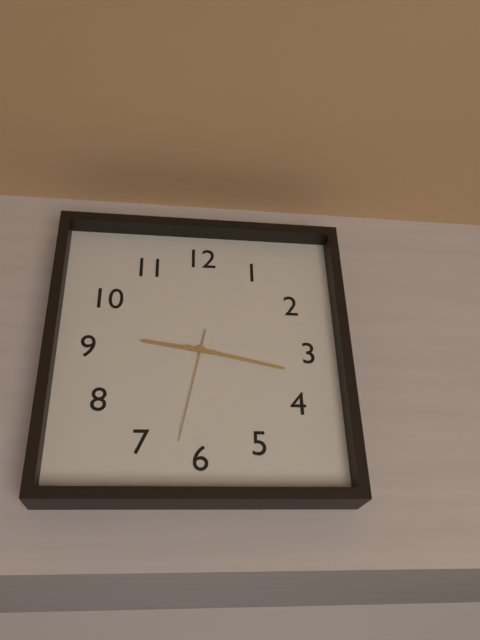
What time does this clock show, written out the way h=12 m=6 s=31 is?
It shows h=9 m=17 s=32
